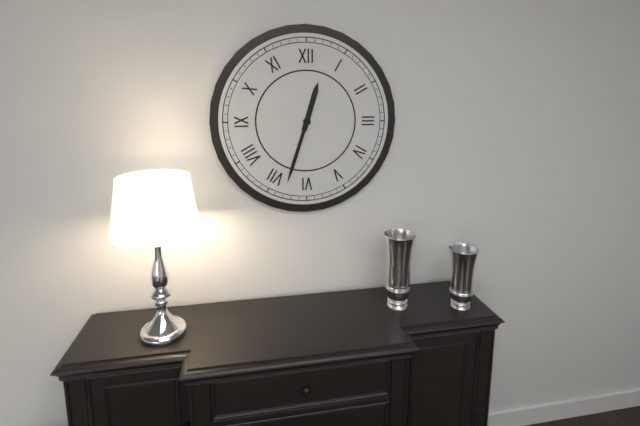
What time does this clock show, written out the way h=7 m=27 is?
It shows h=12 m=33
